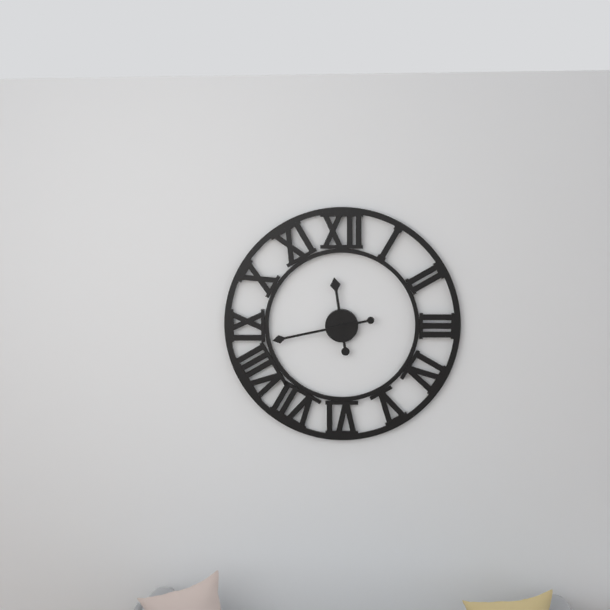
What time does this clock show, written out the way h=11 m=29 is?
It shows h=11 m=43
